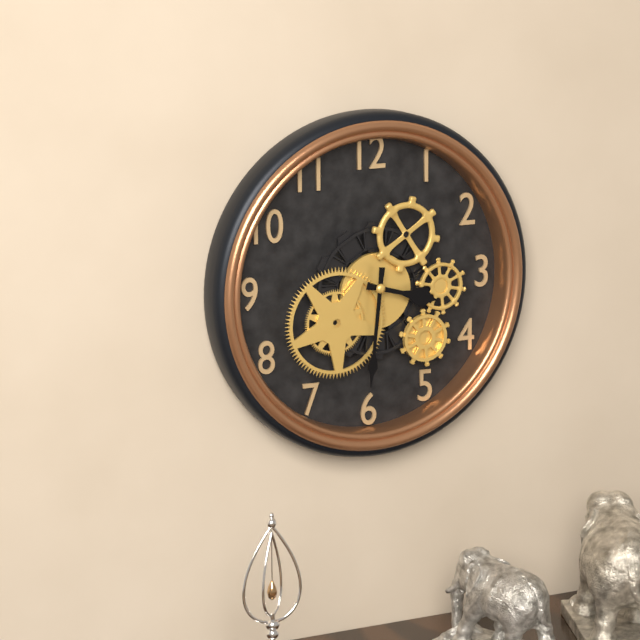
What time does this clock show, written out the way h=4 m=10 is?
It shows h=3 m=31
